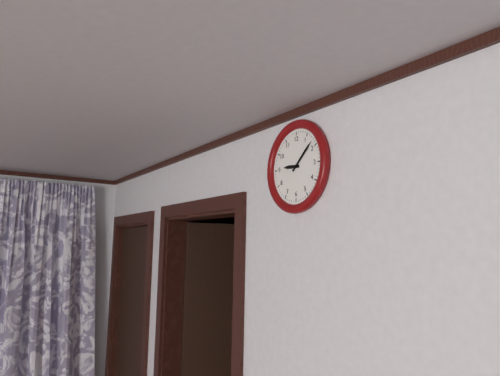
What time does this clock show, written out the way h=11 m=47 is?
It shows h=9 m=8
